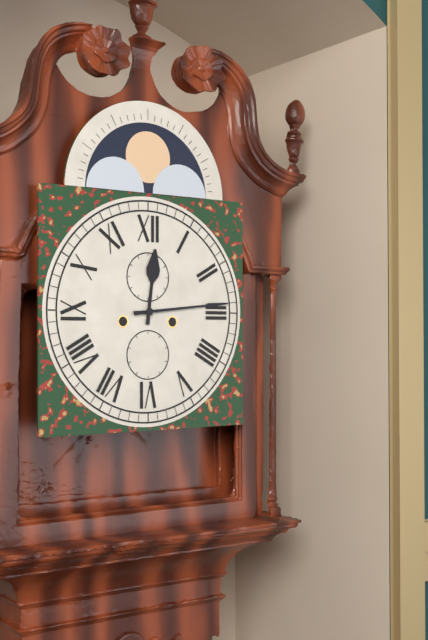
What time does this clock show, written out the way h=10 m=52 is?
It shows h=12 m=14
